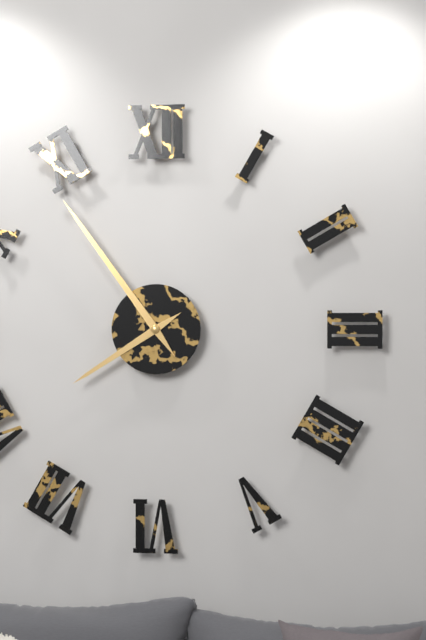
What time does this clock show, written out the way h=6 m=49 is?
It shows h=7 m=54
